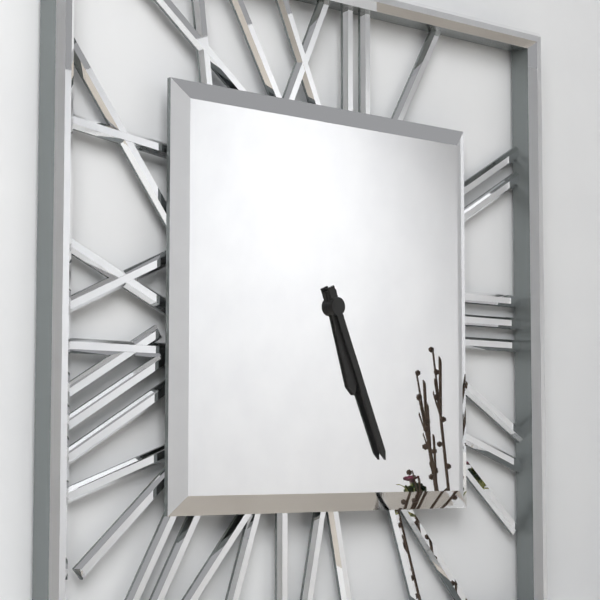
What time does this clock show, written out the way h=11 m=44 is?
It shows h=5 m=26
